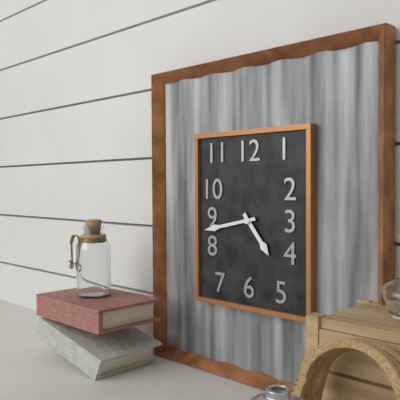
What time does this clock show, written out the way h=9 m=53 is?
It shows h=4 m=43
